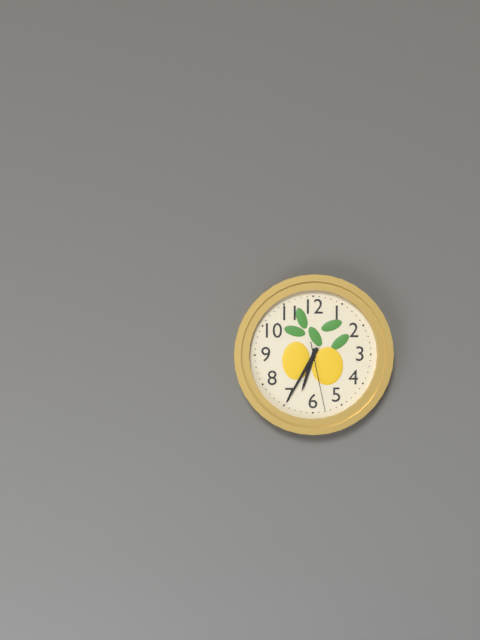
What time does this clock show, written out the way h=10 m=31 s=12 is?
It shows h=6 m=35 s=28
